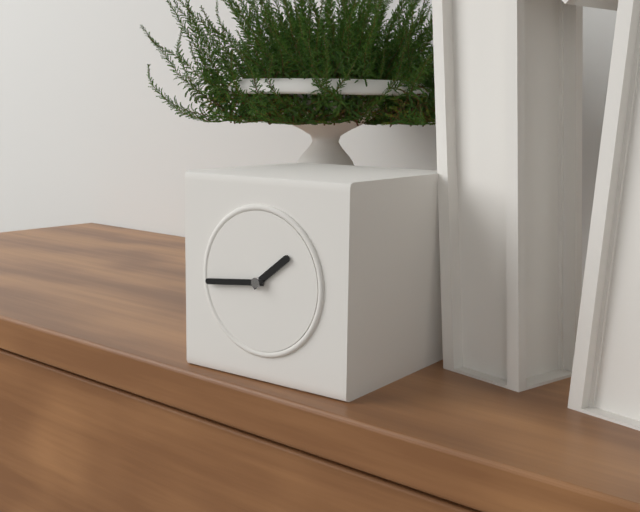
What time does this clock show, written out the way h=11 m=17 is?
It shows h=1 m=44
